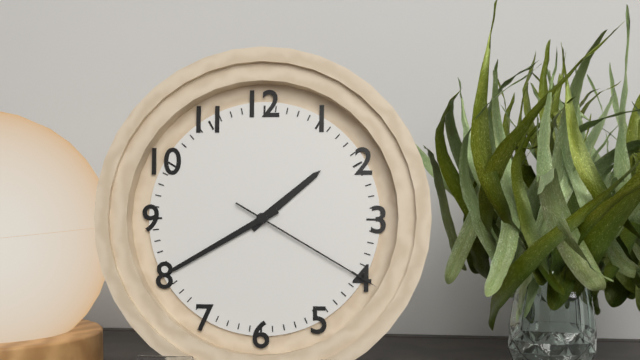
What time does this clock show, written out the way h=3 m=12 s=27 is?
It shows h=1 m=40 s=20
